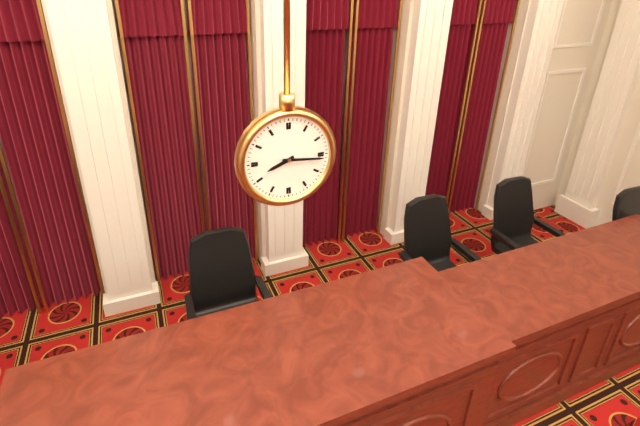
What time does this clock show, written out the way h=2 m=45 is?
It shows h=8 m=16
